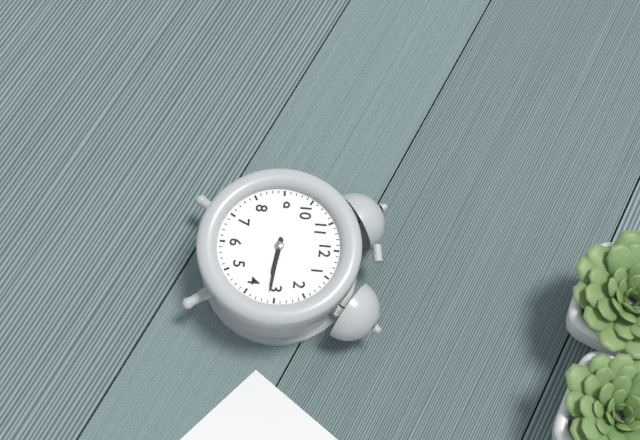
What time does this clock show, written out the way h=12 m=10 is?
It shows h=3 m=16
